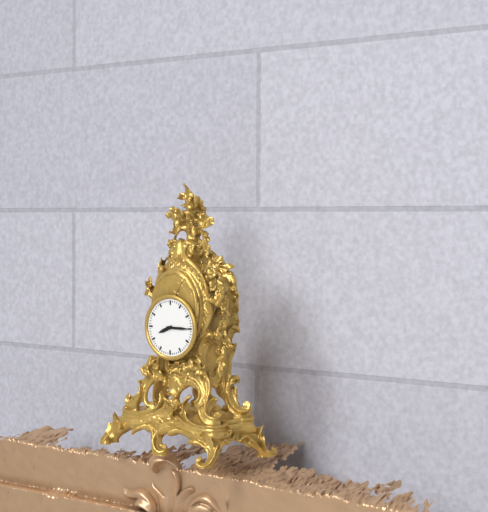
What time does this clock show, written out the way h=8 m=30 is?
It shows h=8 m=15
